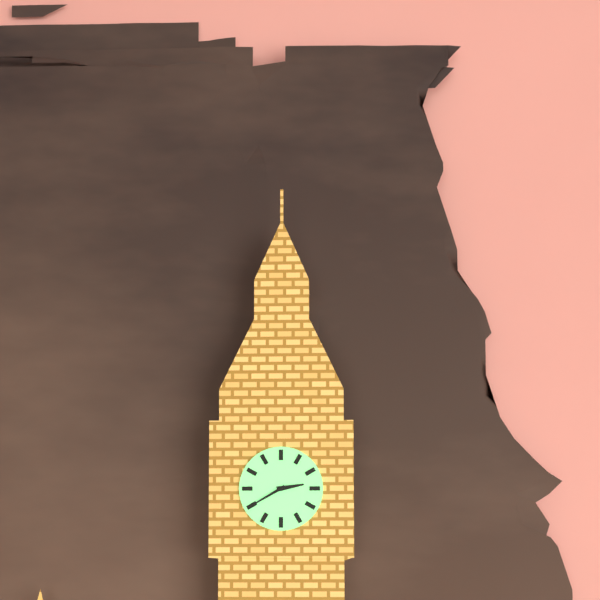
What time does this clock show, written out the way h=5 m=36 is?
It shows h=2 m=40
